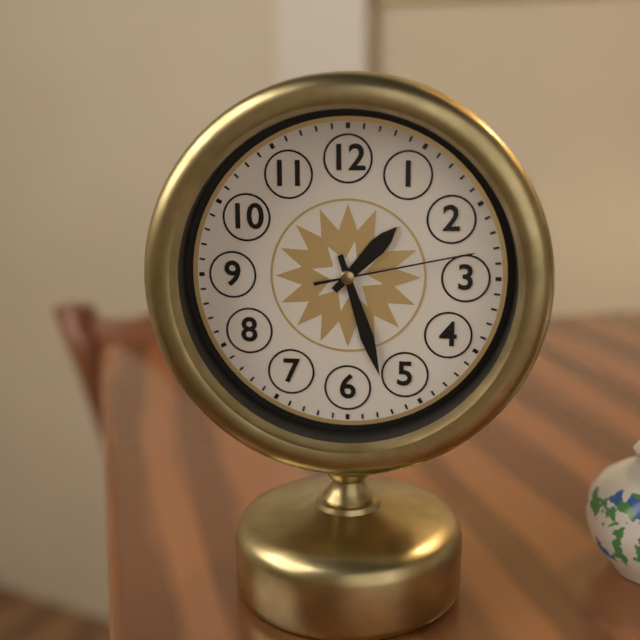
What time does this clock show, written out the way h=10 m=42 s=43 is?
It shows h=1 m=27 s=13
